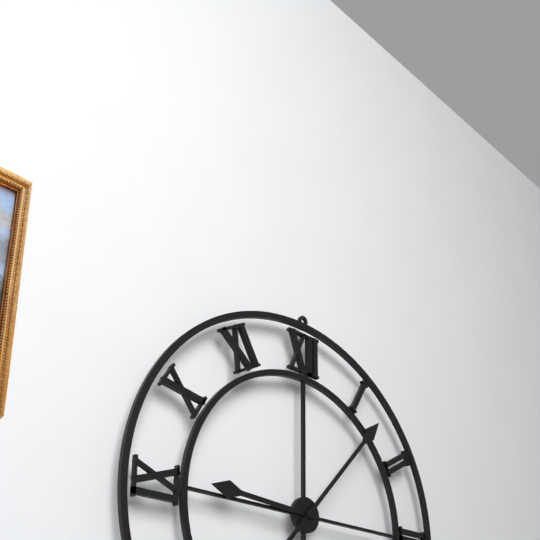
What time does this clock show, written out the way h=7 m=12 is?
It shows h=9 m=7
